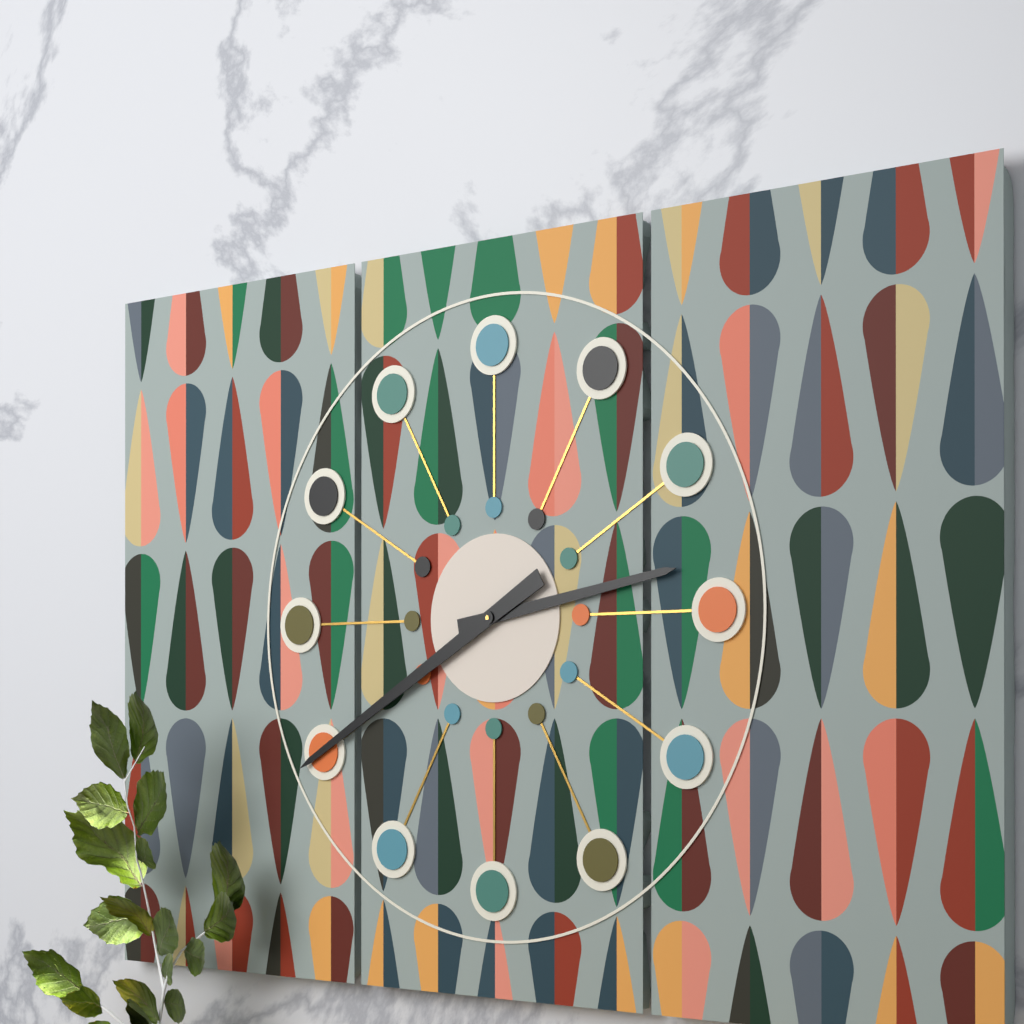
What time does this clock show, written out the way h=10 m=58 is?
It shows h=2 m=40
